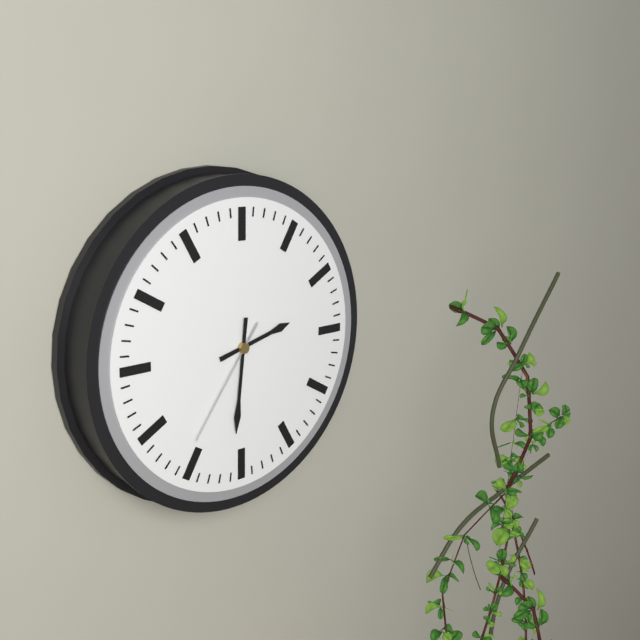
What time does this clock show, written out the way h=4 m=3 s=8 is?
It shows h=2 m=31 s=36
